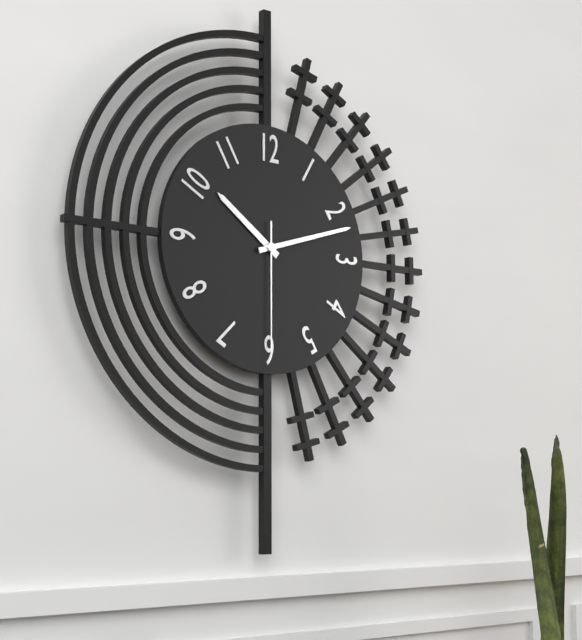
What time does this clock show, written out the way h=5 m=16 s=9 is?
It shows h=10 m=12 s=30
